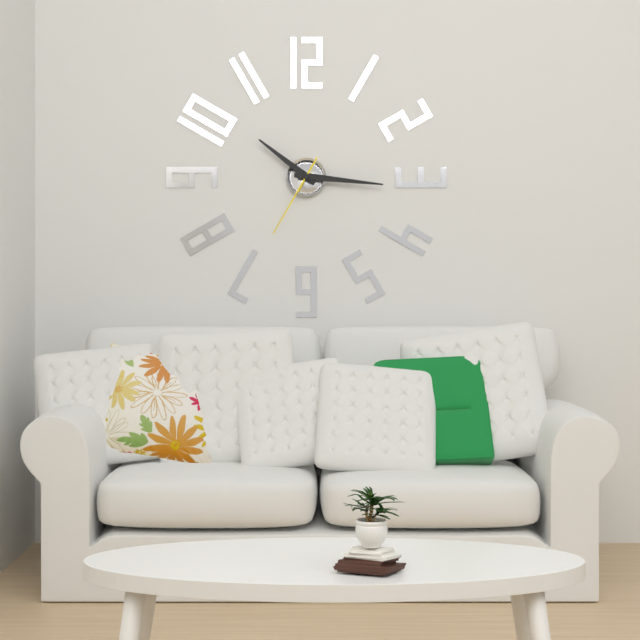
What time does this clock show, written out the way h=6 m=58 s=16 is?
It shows h=10 m=16 s=35
